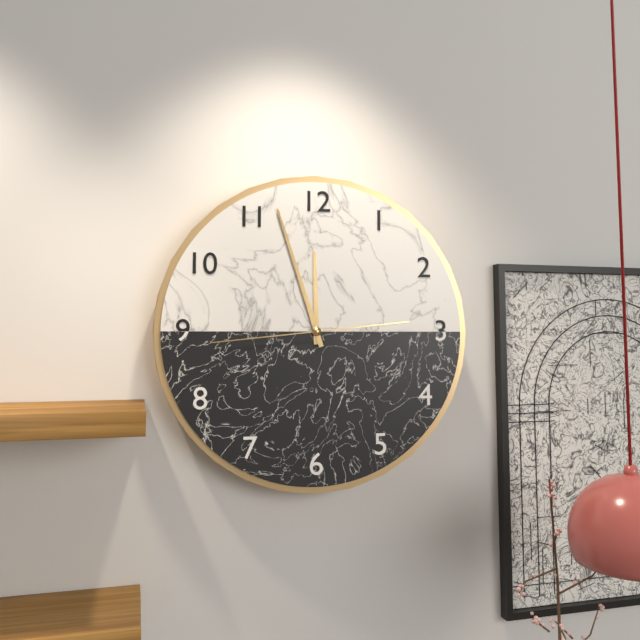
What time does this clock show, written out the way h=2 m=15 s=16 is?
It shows h=11 m=57 s=44
